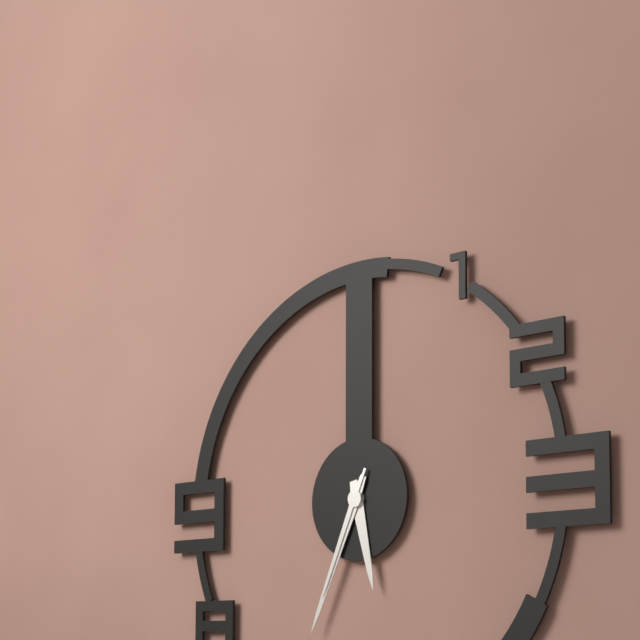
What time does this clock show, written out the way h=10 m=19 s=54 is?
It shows h=5 m=34 s=34
